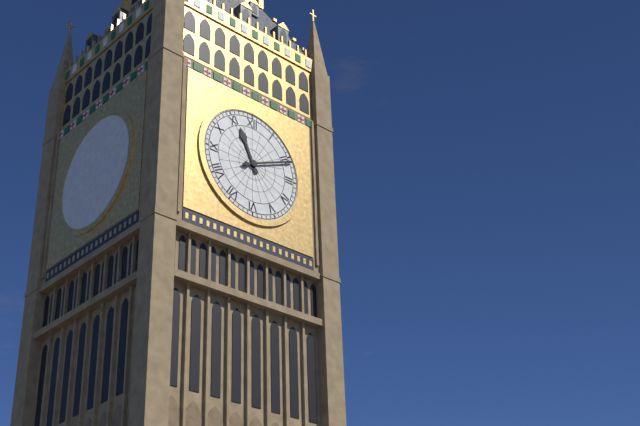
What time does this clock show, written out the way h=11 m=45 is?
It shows h=11 m=11
